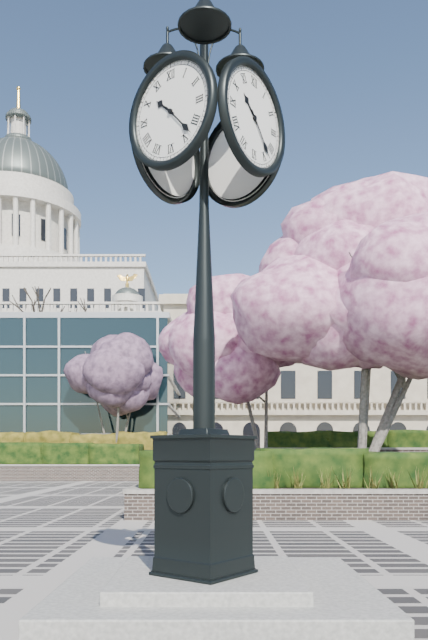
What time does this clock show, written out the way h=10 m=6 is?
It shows h=10 m=23
